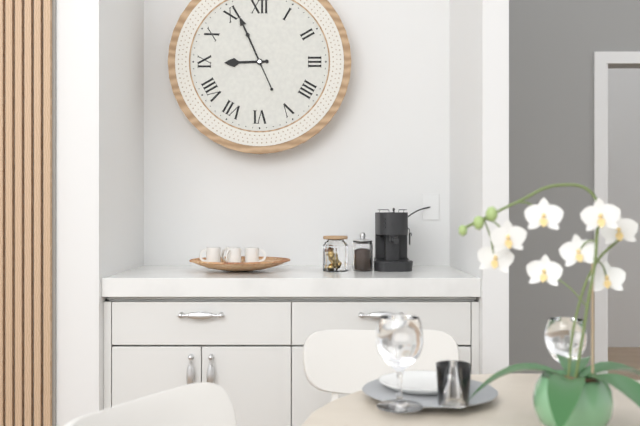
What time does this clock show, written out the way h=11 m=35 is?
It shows h=8 m=56
